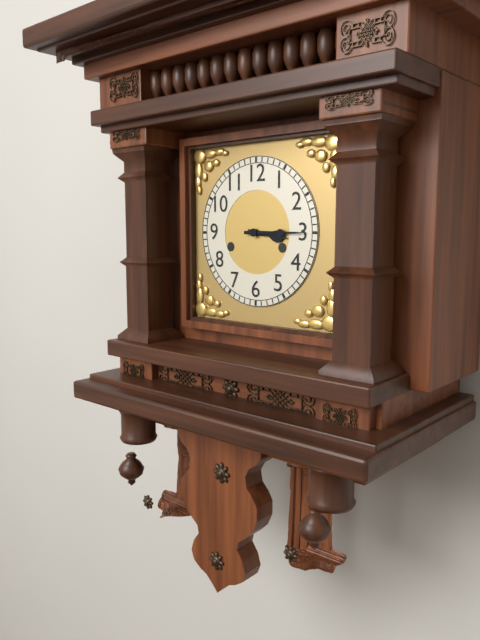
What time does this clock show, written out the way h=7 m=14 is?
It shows h=3 m=15
